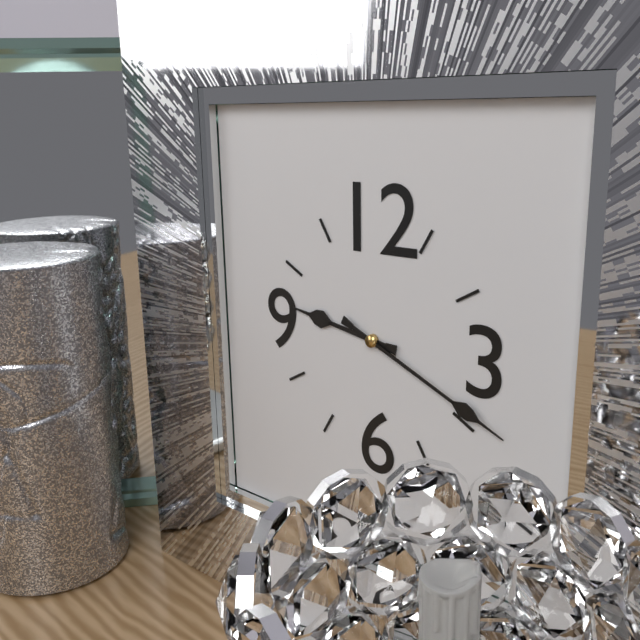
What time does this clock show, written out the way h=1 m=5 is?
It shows h=9 m=19
